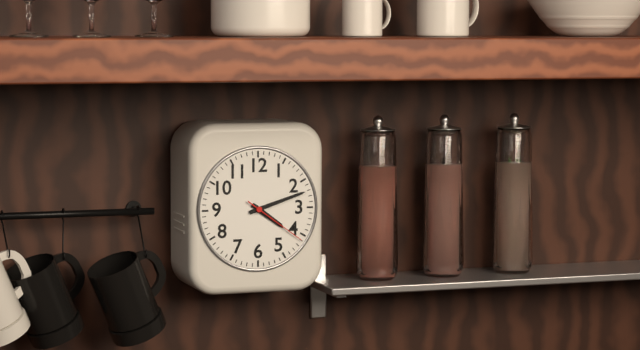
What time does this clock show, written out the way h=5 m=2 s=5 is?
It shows h=4 m=12 s=21
